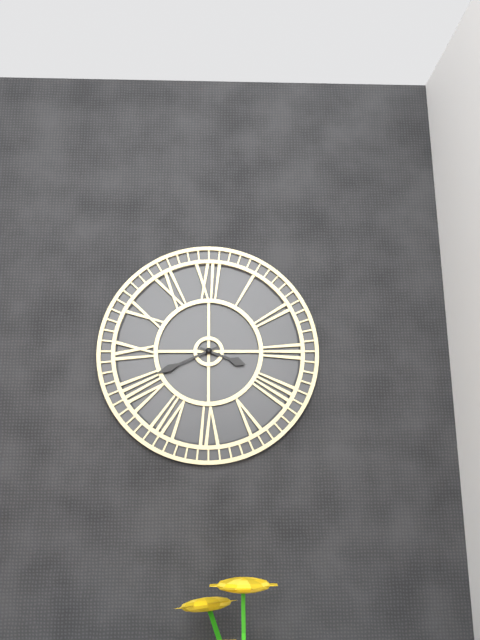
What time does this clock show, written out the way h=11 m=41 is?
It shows h=3 m=41
